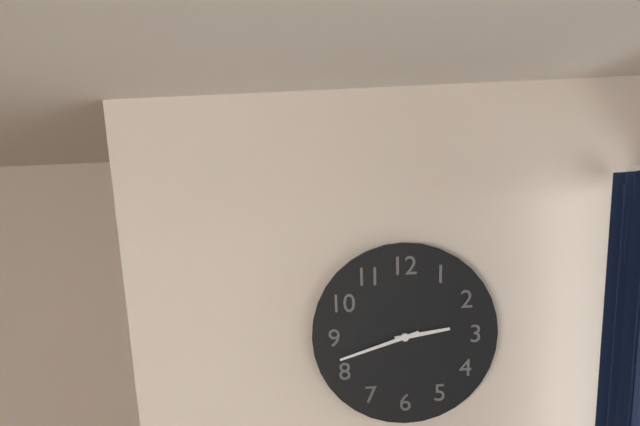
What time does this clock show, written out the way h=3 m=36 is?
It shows h=2 m=42
